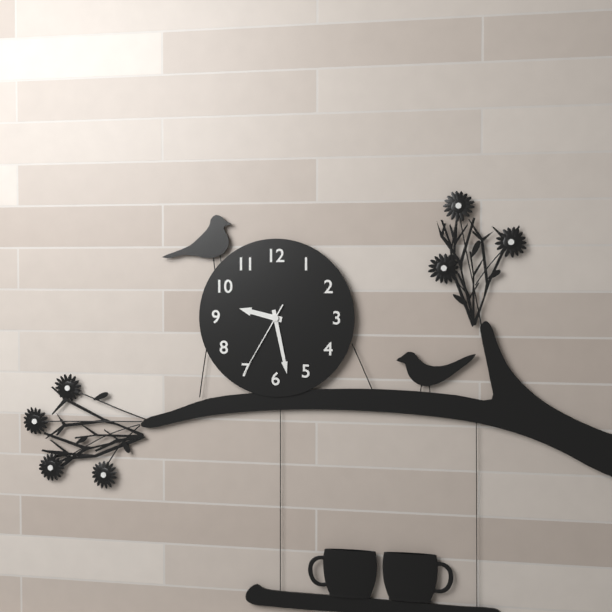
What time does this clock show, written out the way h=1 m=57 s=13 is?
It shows h=9 m=28 s=35
